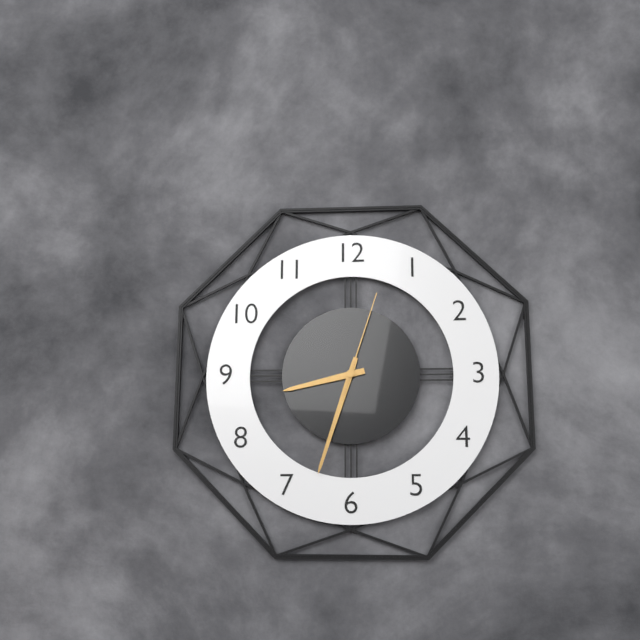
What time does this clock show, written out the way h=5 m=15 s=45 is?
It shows h=8 m=33 s=3
